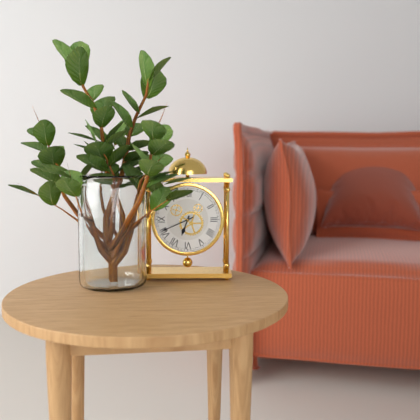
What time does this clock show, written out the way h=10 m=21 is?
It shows h=6 m=41
